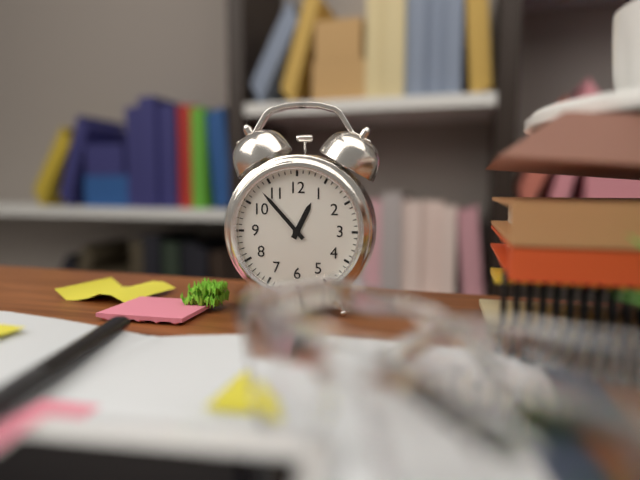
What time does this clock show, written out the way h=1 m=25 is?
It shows h=12 m=53
